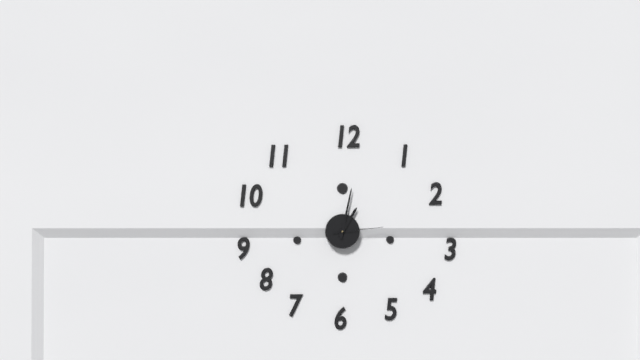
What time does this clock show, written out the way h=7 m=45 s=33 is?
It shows h=1 m=2 s=14
